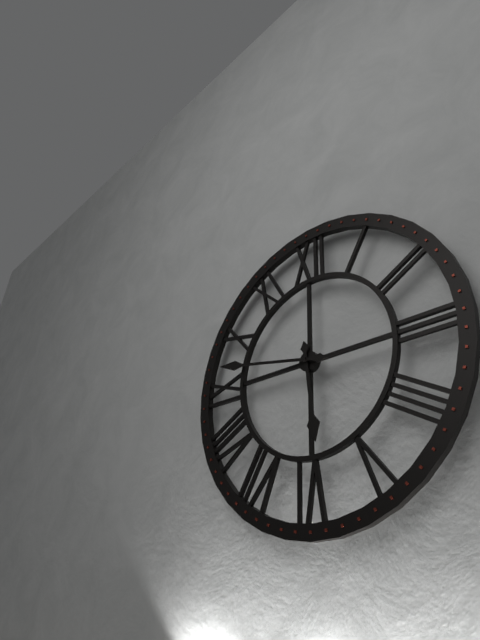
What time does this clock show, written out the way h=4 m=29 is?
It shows h=5 m=47
